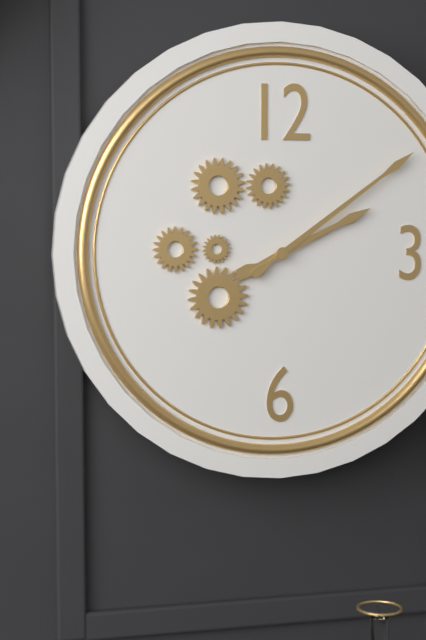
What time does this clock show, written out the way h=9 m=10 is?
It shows h=2 m=9
